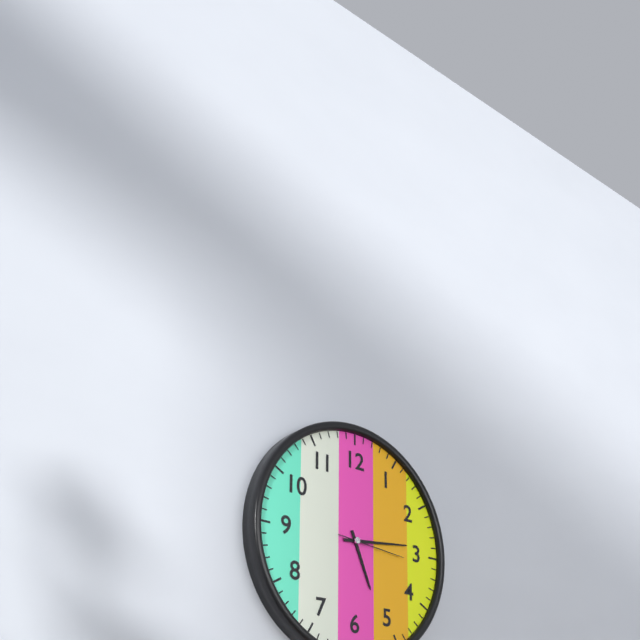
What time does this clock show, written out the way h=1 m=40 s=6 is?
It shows h=5 m=14 s=16
